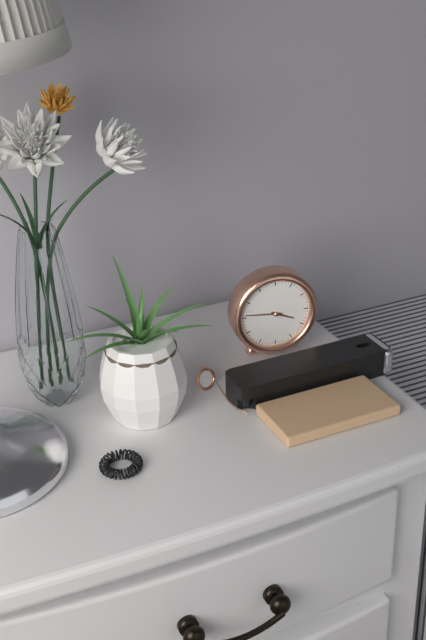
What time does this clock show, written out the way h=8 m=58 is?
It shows h=3 m=46
